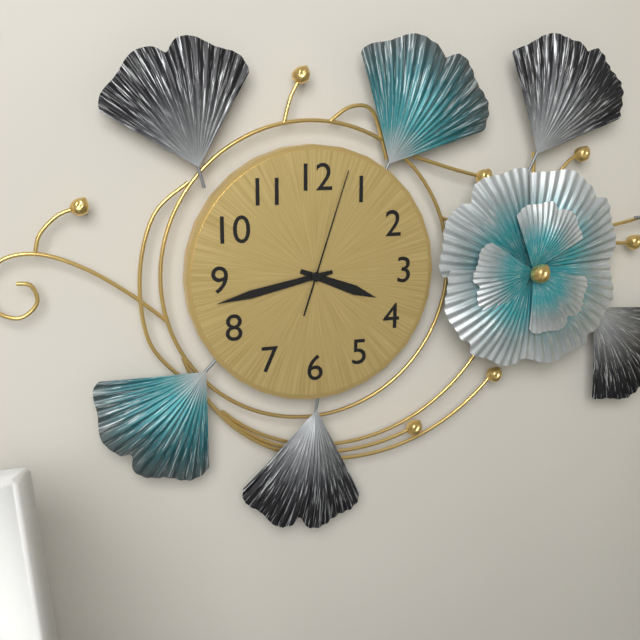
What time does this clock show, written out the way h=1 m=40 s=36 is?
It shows h=3 m=43 s=3
